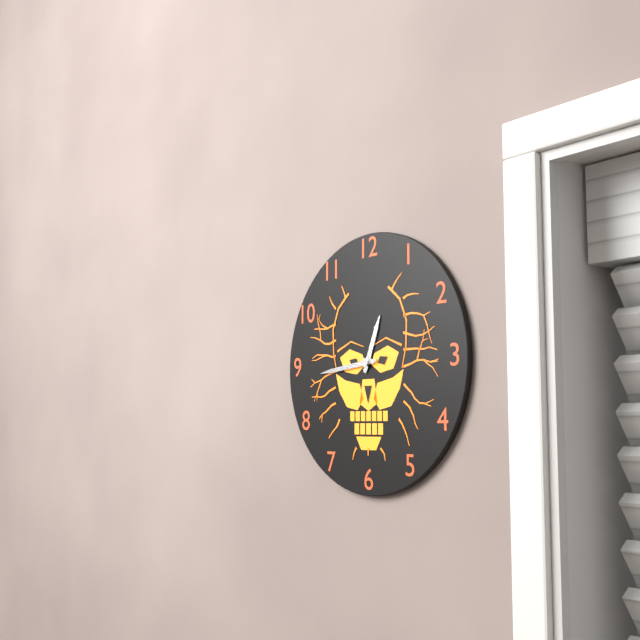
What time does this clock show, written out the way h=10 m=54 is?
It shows h=12 m=44
